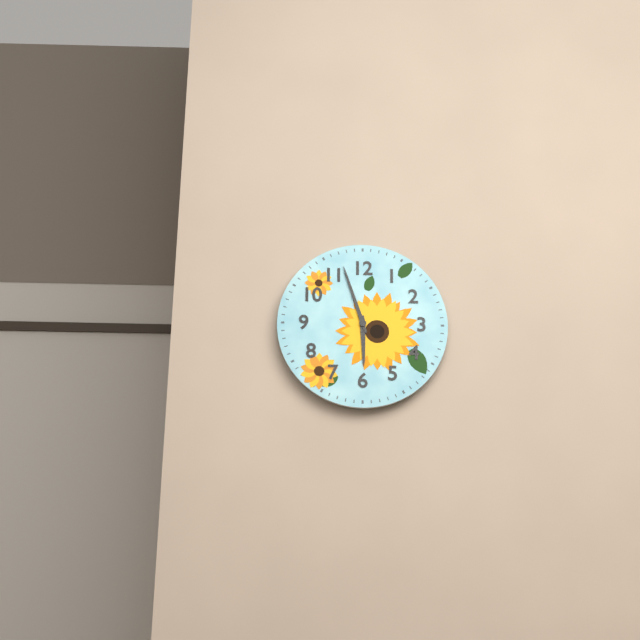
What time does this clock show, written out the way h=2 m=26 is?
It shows h=5 m=57
